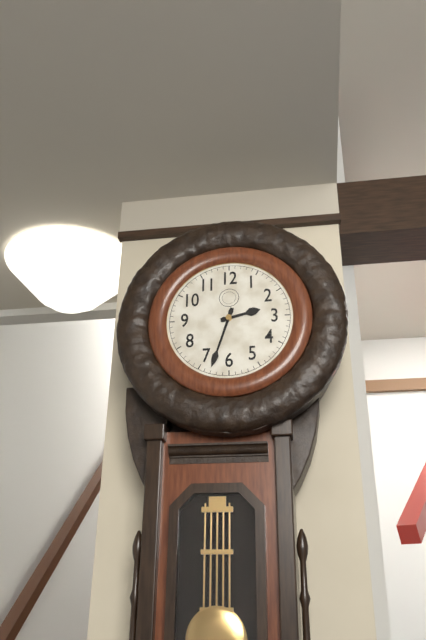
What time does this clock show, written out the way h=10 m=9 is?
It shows h=2 m=33
